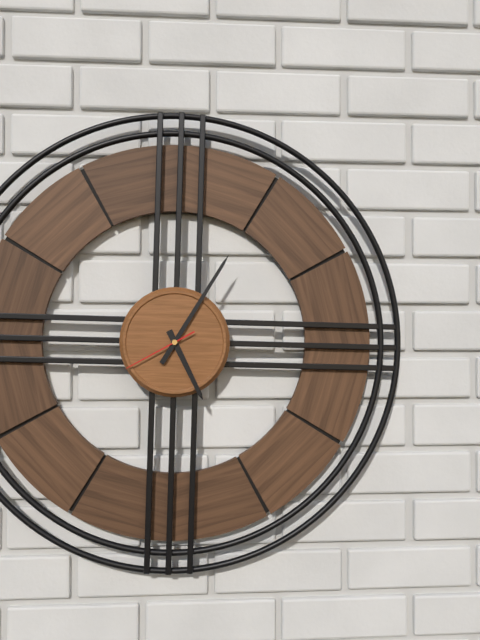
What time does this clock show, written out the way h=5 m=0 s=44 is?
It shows h=5 m=5 s=40
